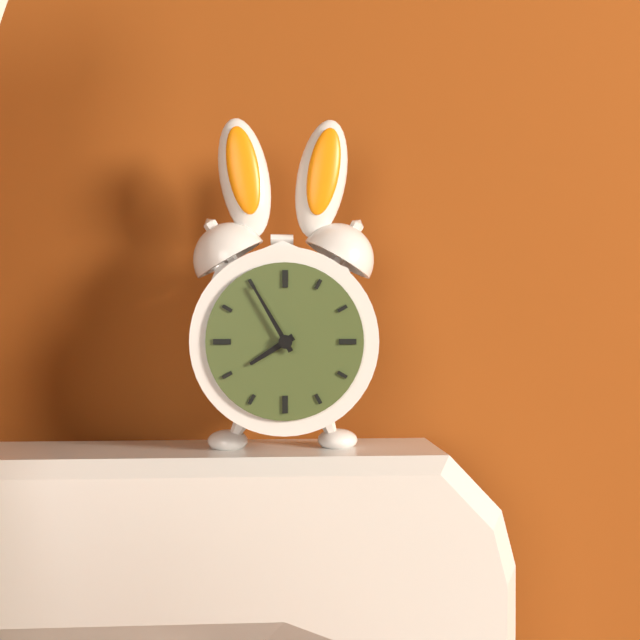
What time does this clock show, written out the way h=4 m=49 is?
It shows h=7 m=55
